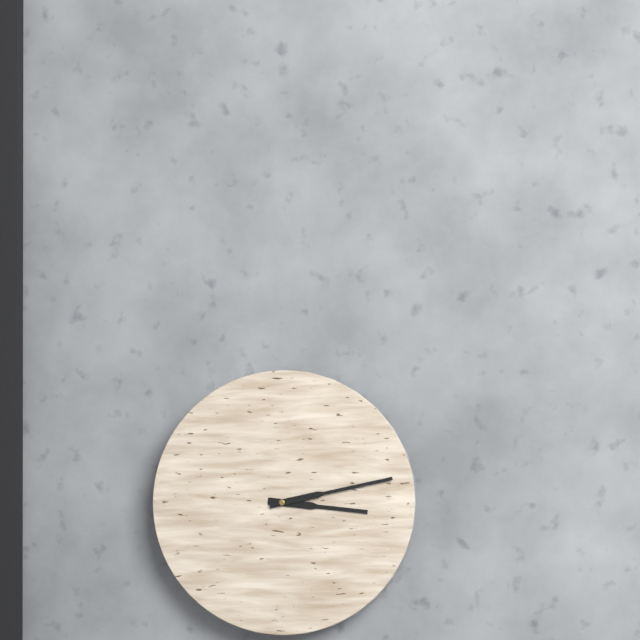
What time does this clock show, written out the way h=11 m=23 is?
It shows h=3 m=13
